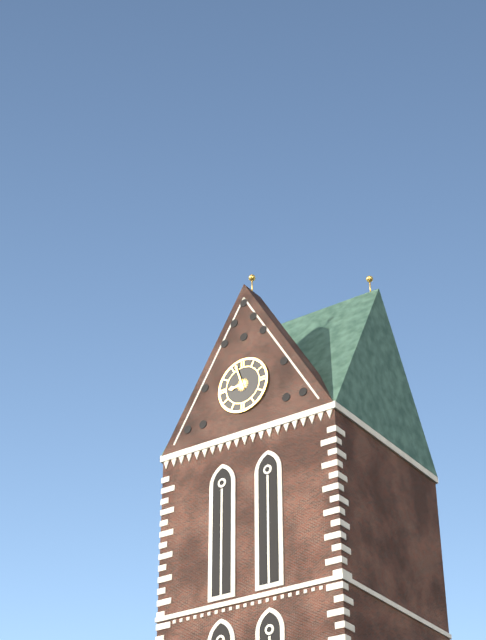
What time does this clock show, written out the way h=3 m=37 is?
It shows h=8 m=57
